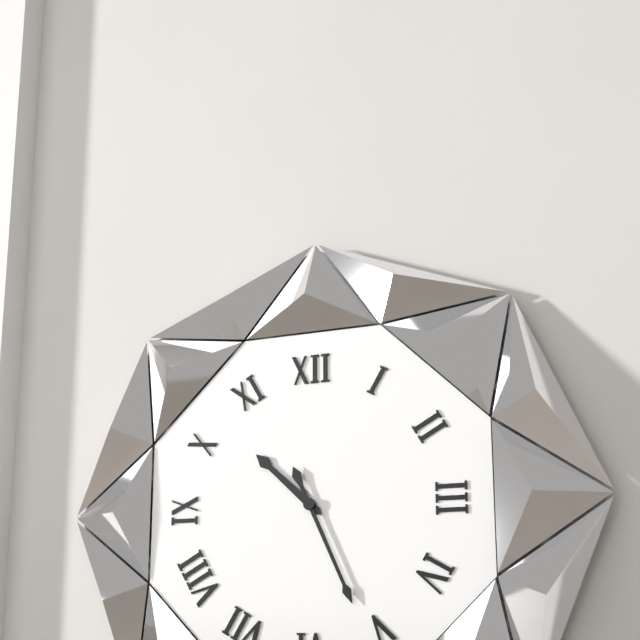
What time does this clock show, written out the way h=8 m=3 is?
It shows h=10 m=26
